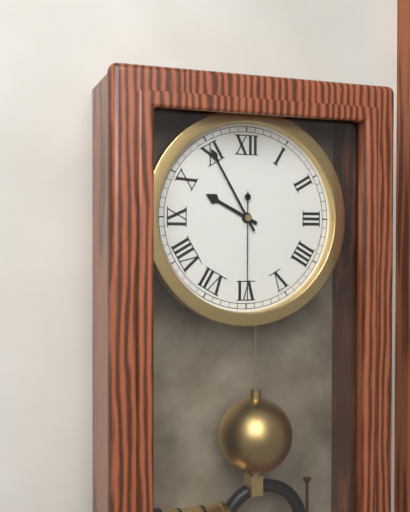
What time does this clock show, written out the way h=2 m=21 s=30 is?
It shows h=9 m=55 s=30
